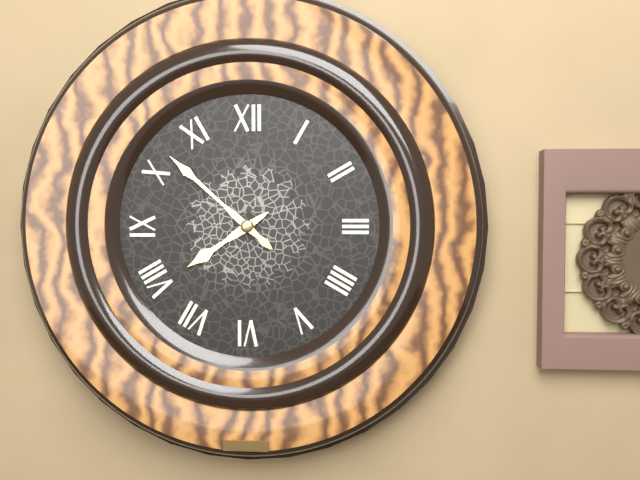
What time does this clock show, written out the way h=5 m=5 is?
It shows h=7 m=52
